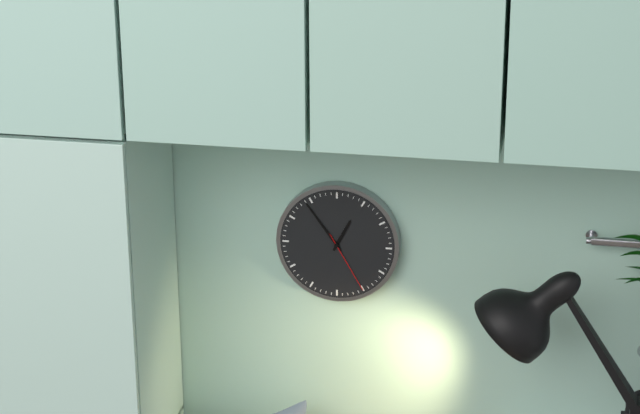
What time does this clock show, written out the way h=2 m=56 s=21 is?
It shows h=12 m=54 s=25
